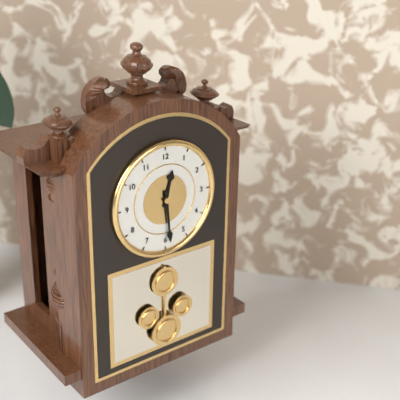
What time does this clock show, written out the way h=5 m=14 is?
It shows h=12 m=29
